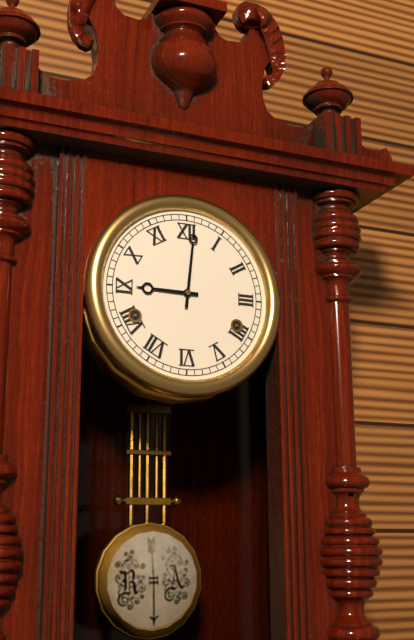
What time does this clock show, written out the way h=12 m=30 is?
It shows h=9 m=1
